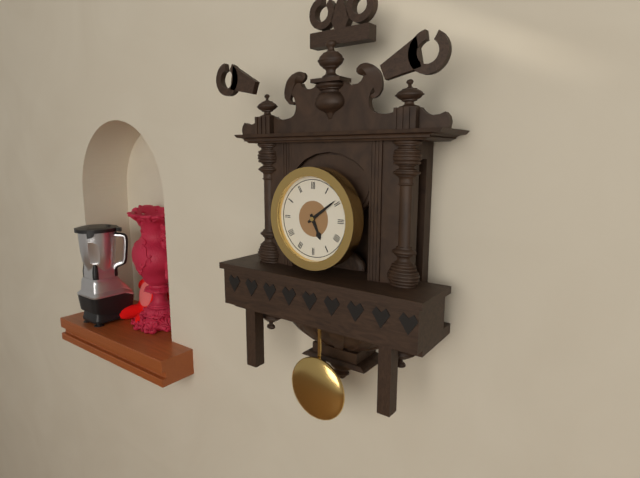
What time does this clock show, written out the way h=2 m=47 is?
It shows h=5 m=9
